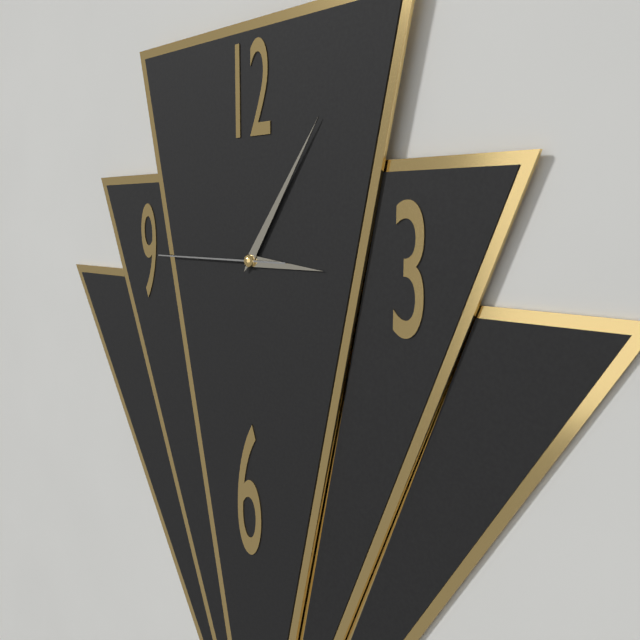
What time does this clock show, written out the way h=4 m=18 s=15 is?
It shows h=3 m=6 s=45
